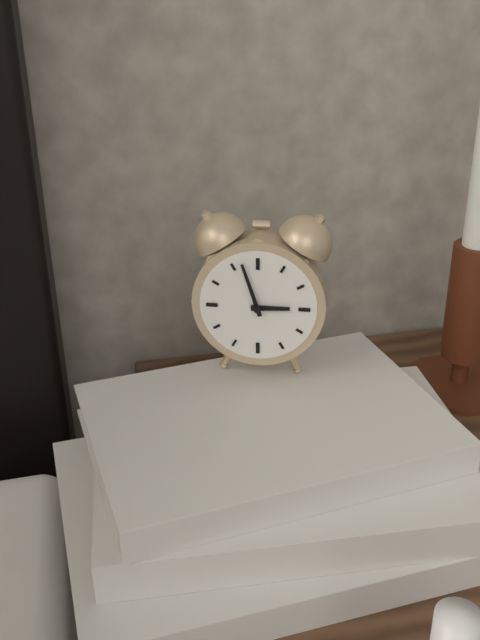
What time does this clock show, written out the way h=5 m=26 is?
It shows h=2 m=57
